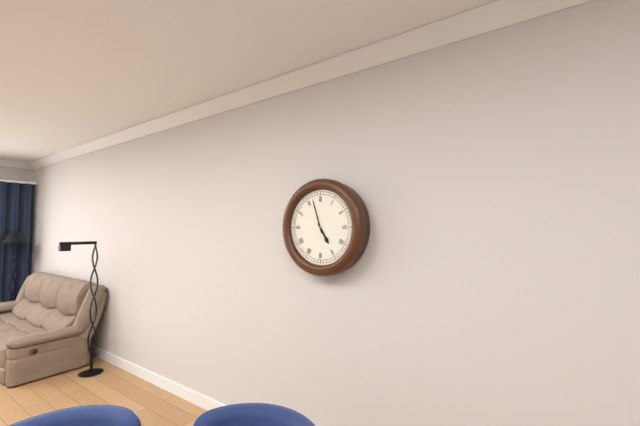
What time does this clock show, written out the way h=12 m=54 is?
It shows h=4 m=57
